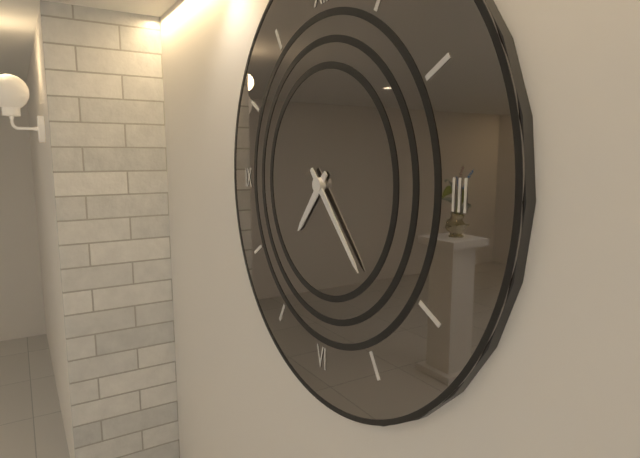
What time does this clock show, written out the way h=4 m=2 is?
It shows h=7 m=23
